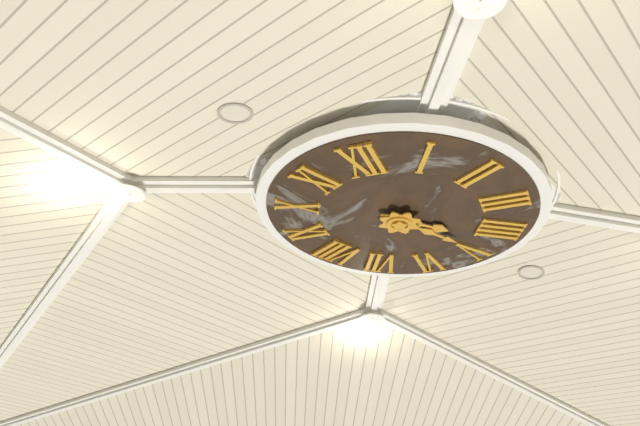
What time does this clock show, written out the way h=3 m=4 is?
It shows h=4 m=24
